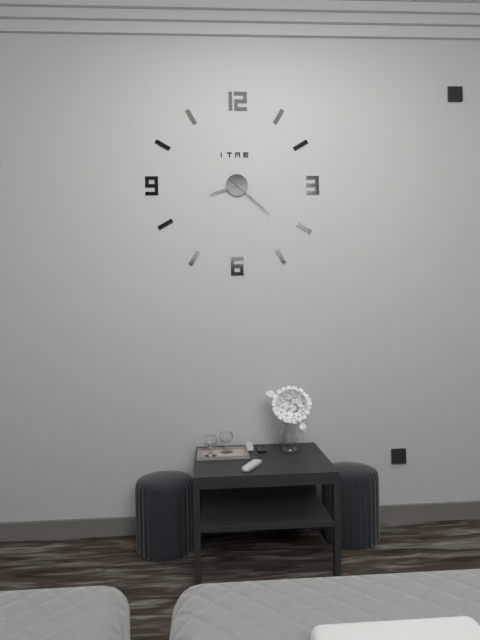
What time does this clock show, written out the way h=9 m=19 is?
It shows h=8 m=22
